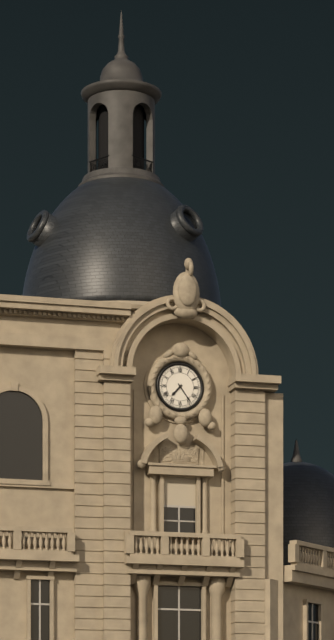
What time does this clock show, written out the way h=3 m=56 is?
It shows h=7 m=24
